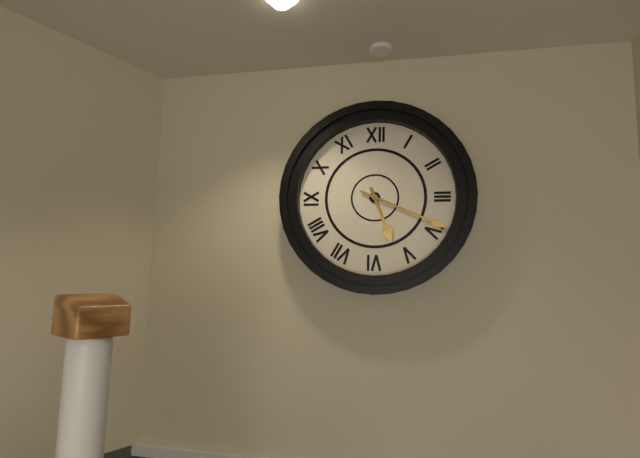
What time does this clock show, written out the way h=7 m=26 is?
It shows h=5 m=19
